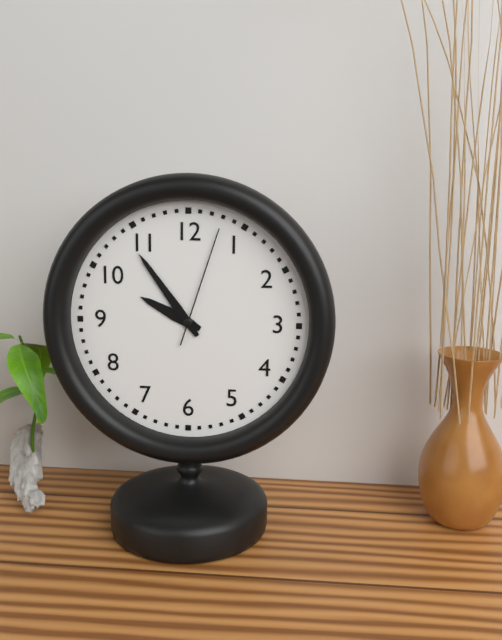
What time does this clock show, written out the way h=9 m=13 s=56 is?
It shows h=9 m=54 s=3
